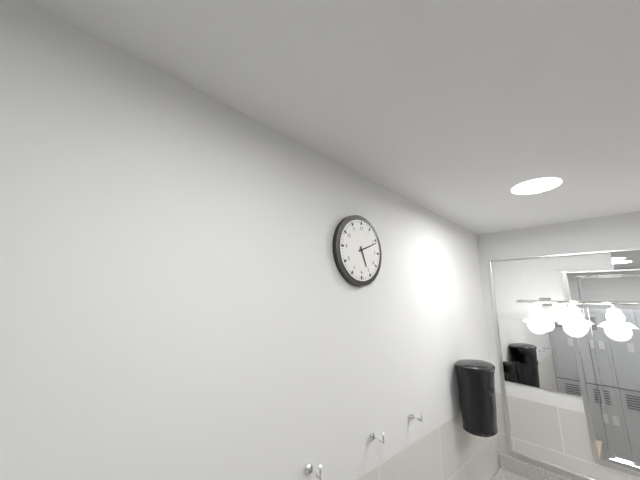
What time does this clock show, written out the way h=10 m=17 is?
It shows h=5 m=11
